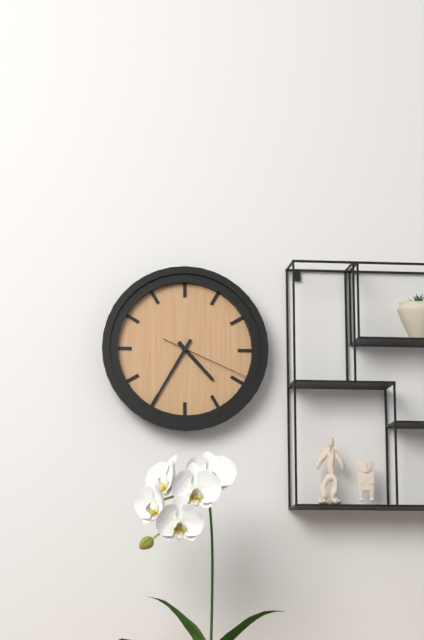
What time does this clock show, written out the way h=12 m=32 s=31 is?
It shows h=4 m=35 s=19
